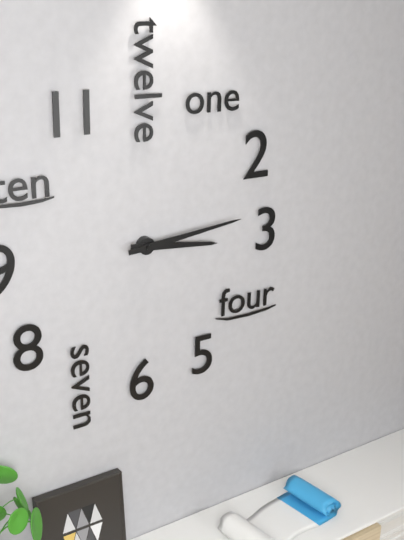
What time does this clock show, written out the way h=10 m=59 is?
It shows h=3 m=14
